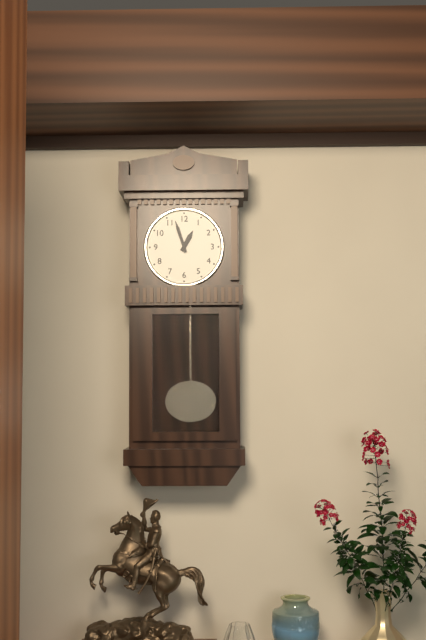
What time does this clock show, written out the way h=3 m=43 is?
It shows h=12 m=57
